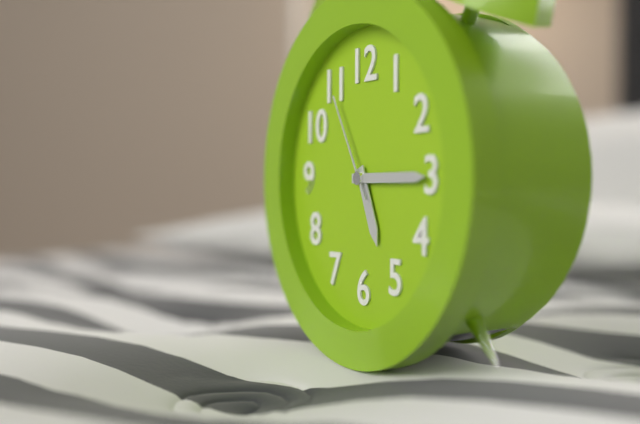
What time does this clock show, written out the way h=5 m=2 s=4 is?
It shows h=5 m=15 s=55
